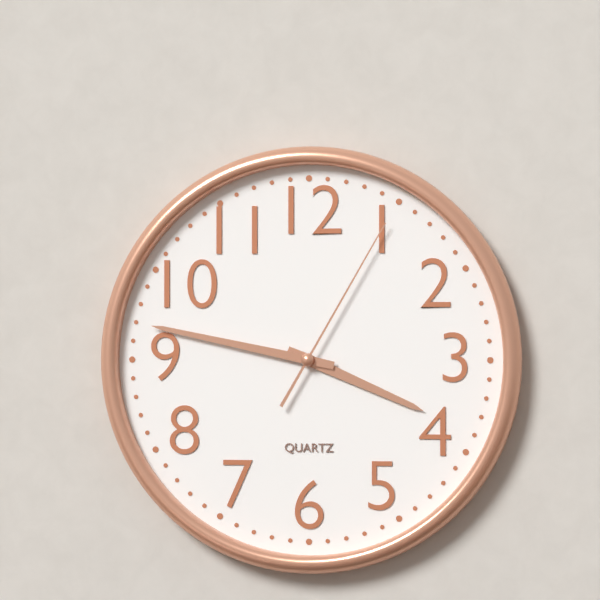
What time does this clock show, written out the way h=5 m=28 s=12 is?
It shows h=3 m=47 s=5
